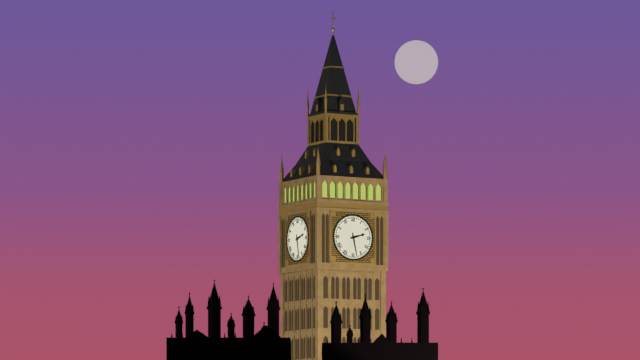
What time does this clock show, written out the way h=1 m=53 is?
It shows h=2 m=28
